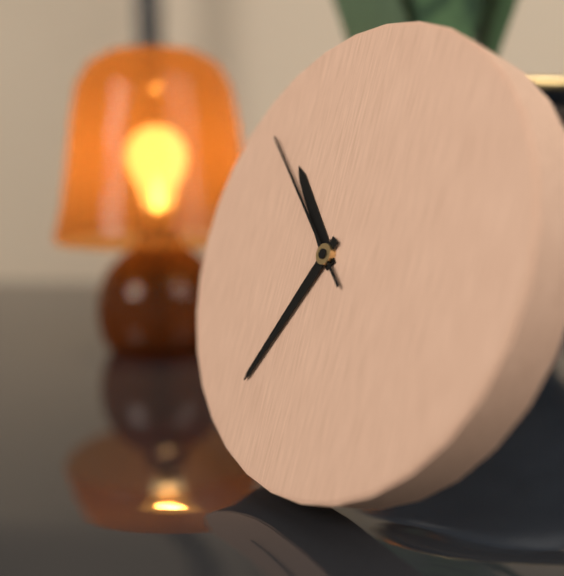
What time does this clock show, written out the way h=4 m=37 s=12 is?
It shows h=10 m=35 s=52
